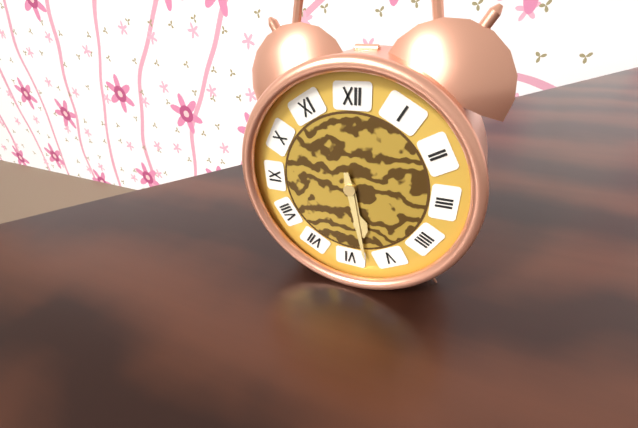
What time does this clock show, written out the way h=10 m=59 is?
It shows h=5 m=28
